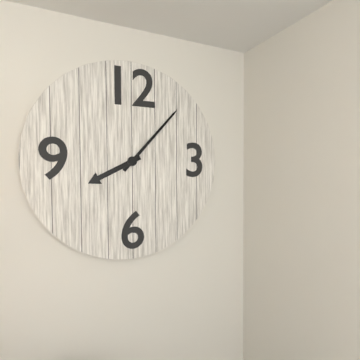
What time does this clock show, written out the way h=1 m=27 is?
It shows h=8 m=7
